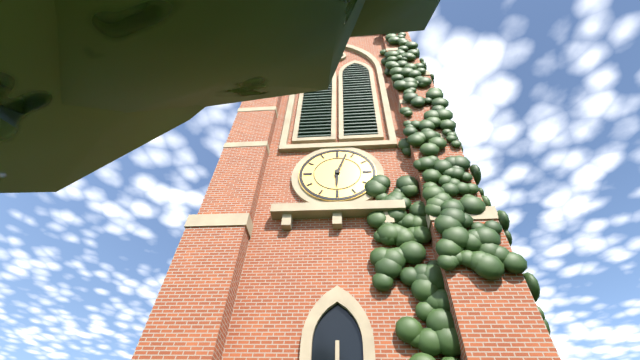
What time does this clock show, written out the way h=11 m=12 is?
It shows h=6 m=3
